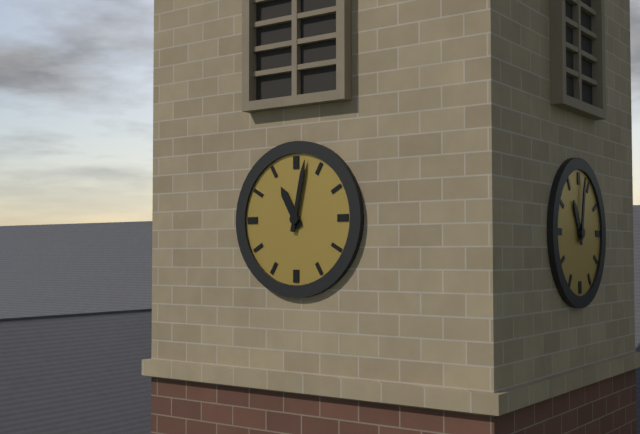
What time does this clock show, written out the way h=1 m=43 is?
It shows h=11 m=2
